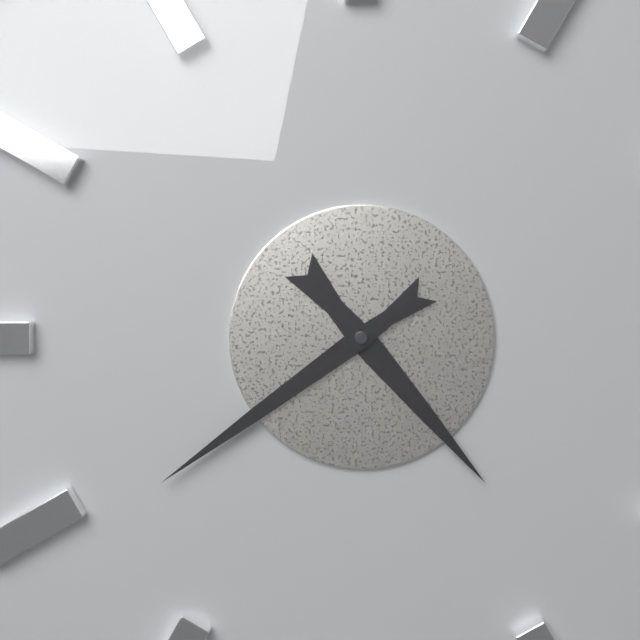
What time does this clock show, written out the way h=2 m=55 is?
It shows h=4 m=39
